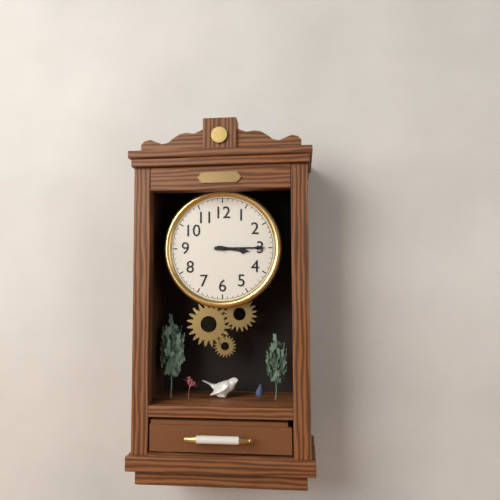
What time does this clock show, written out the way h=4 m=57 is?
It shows h=3 m=15
